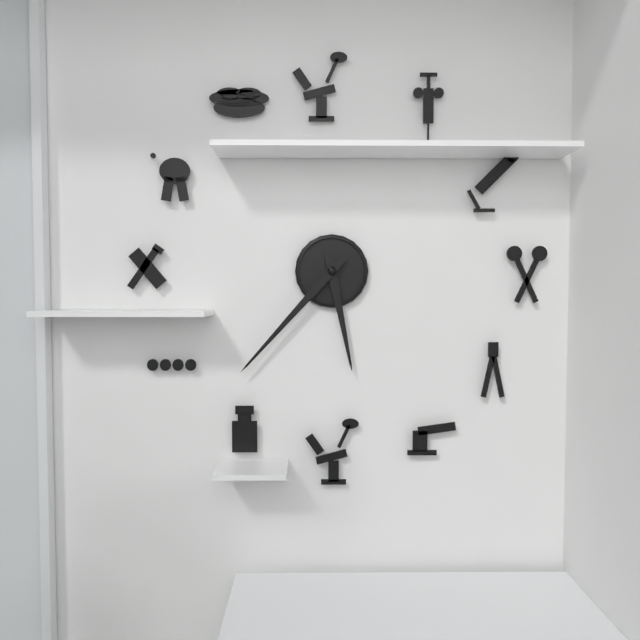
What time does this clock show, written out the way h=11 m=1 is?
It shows h=5 m=37
